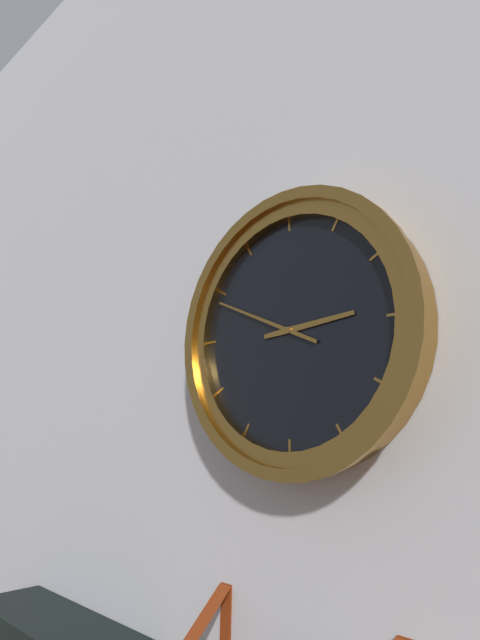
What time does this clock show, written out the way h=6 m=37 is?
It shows h=2 m=49
